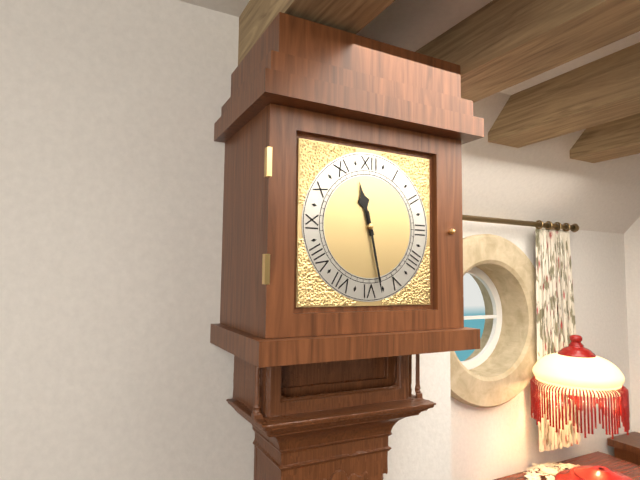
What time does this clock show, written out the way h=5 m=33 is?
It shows h=11 m=28
